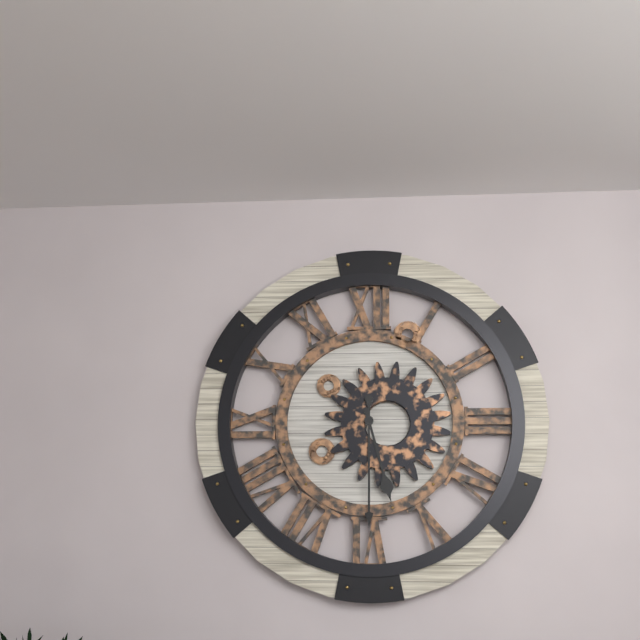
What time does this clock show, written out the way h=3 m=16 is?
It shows h=5 m=30
